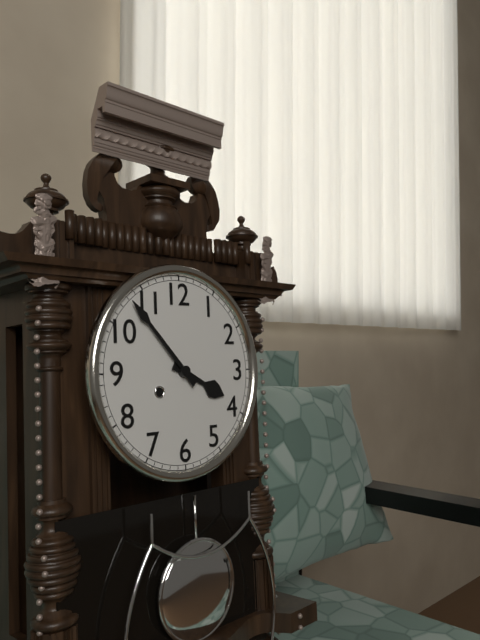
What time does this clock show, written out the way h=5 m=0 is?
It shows h=3 m=53
